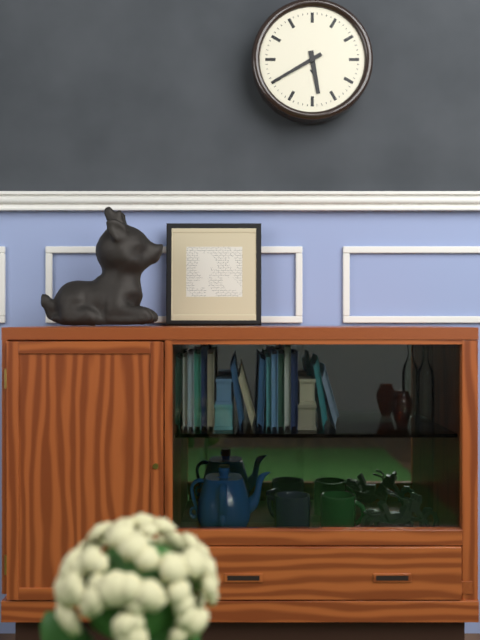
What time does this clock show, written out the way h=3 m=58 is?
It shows h=5 m=40
